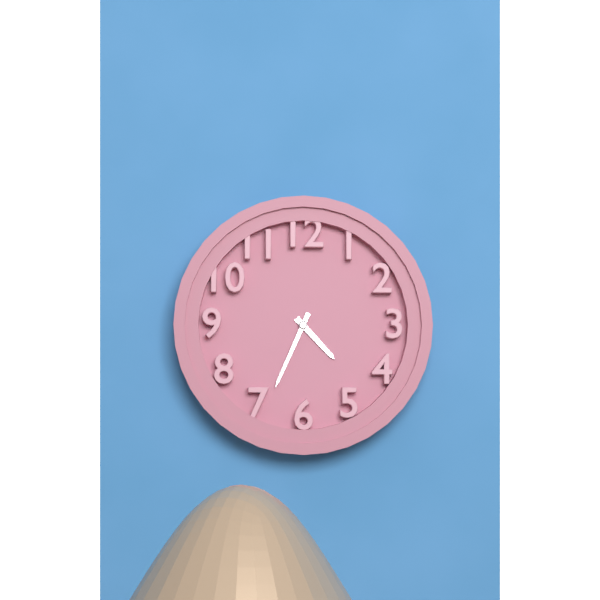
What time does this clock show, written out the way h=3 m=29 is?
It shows h=4 m=34
